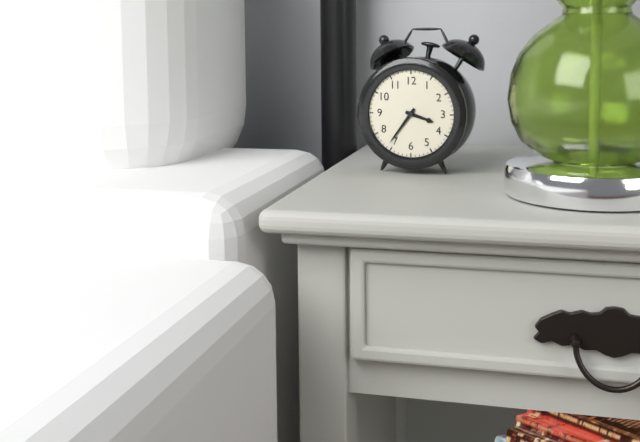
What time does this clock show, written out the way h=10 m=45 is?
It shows h=3 m=36
